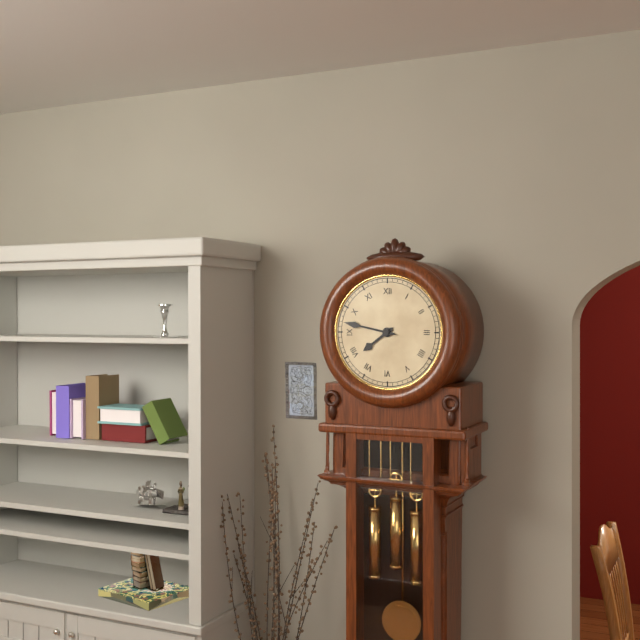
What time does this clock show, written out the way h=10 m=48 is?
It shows h=7 m=47
